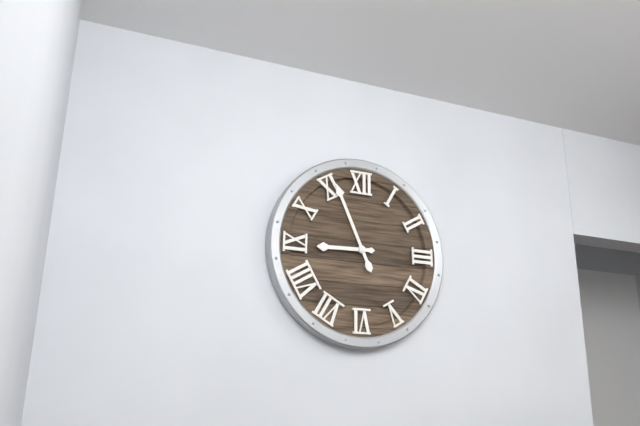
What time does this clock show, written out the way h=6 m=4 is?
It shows h=8 m=56
